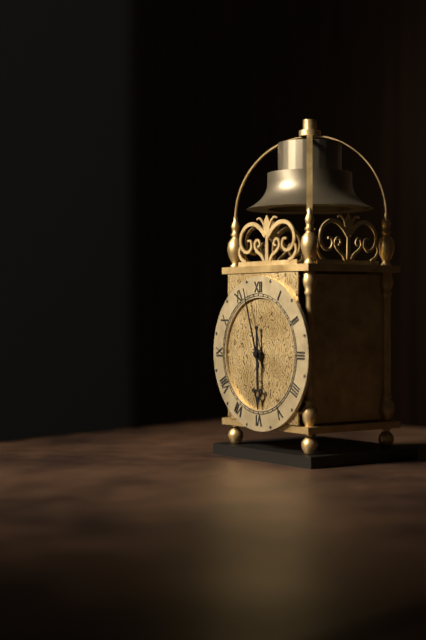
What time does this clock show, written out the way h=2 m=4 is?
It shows h=5 m=57
